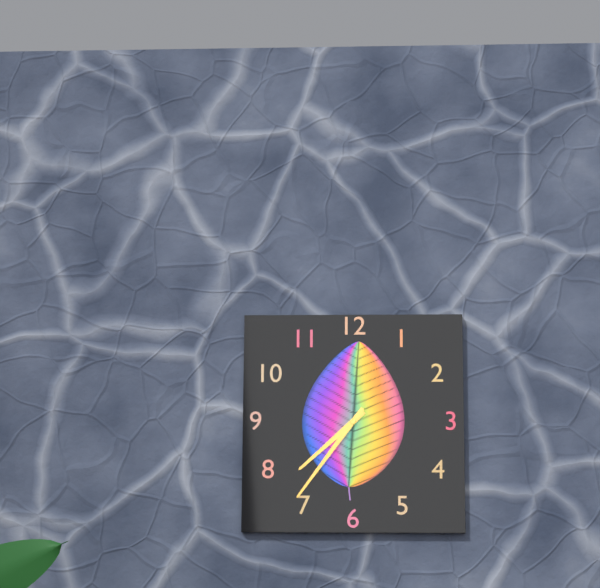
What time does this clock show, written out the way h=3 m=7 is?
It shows h=7 m=36
